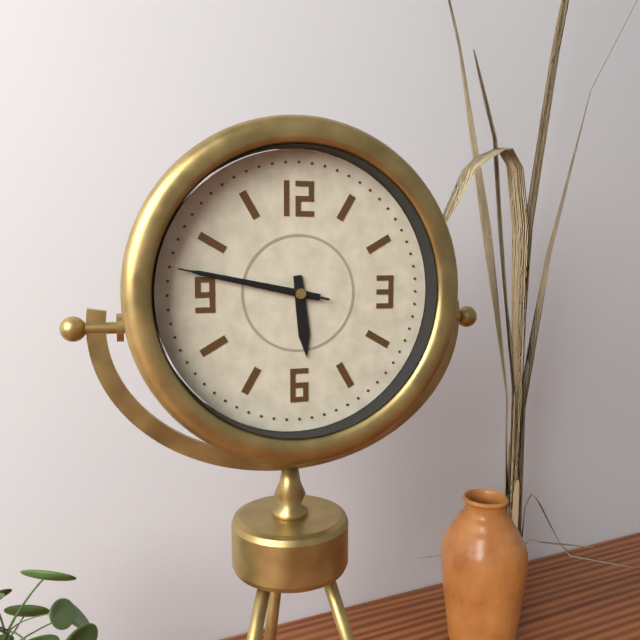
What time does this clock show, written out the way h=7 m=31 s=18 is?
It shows h=5 m=47 s=47
